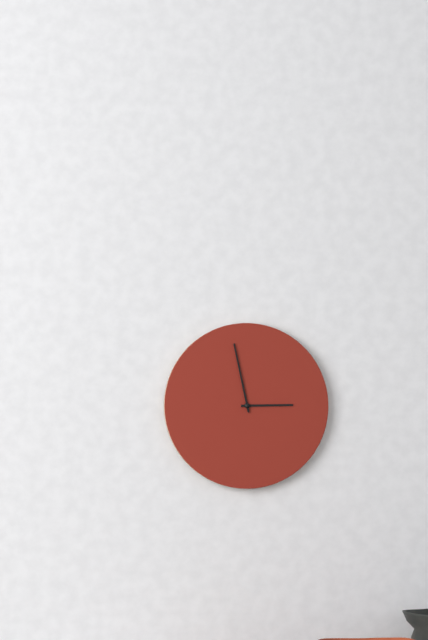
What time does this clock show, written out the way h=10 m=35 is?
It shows h=2 m=58
